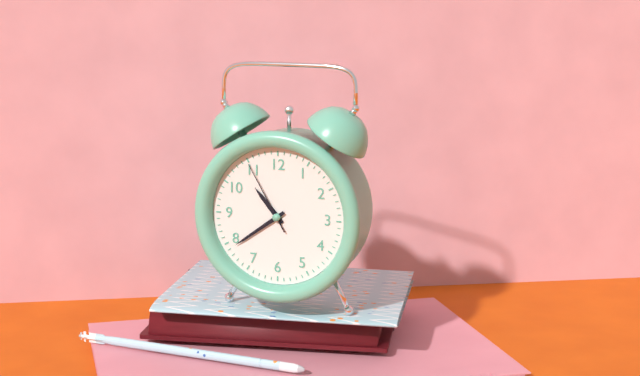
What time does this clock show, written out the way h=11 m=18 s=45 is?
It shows h=10 m=39 s=55
